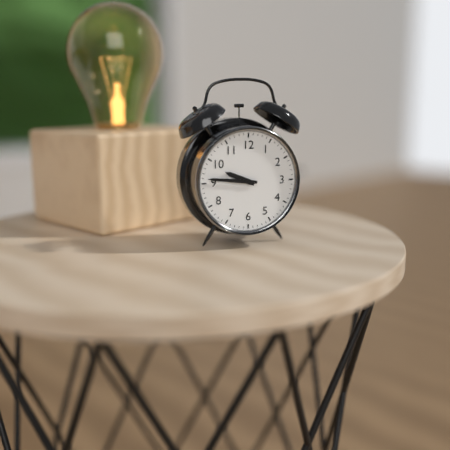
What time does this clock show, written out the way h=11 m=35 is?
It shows h=9 m=46
